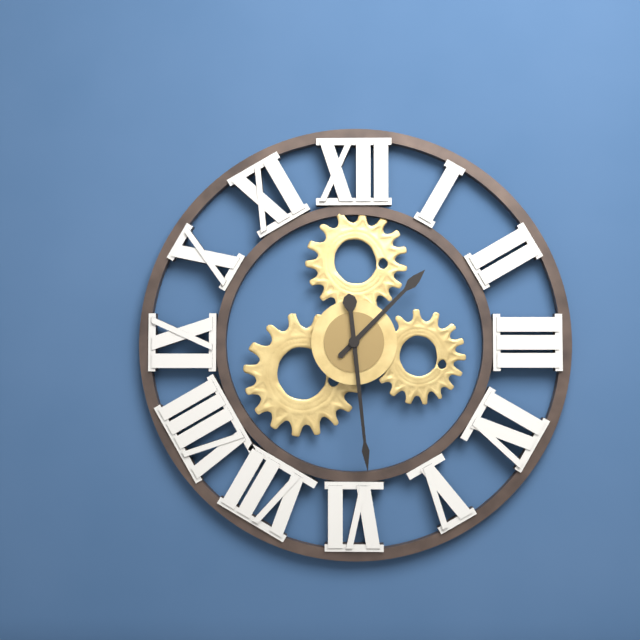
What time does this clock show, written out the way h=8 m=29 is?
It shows h=1 m=29
